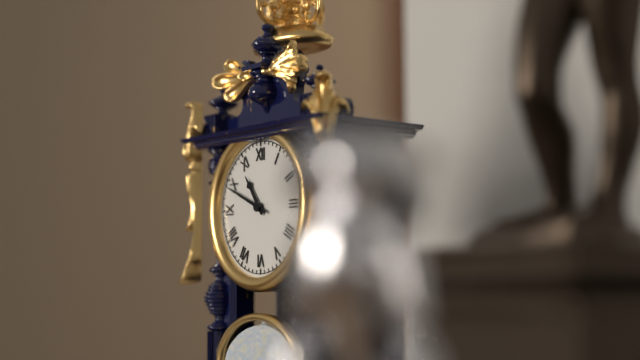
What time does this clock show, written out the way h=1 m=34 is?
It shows h=10 m=49
